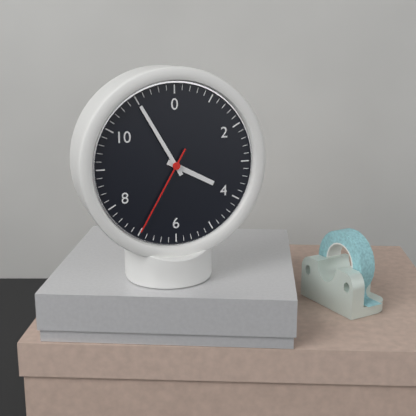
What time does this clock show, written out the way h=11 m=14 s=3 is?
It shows h=3 m=55 s=35
